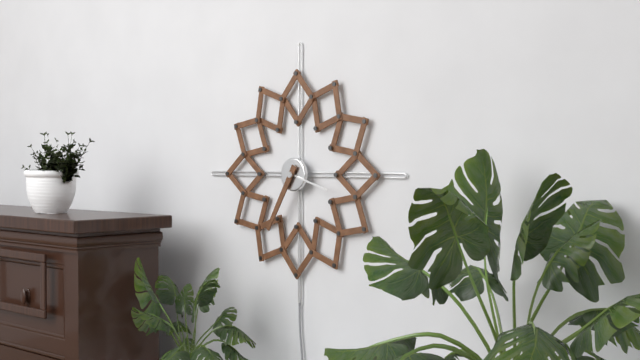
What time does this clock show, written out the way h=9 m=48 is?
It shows h=3 m=35
